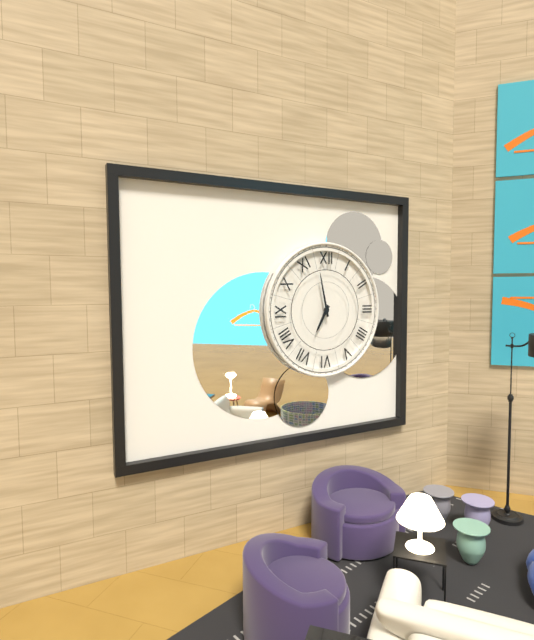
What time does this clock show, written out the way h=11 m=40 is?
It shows h=6 m=58
